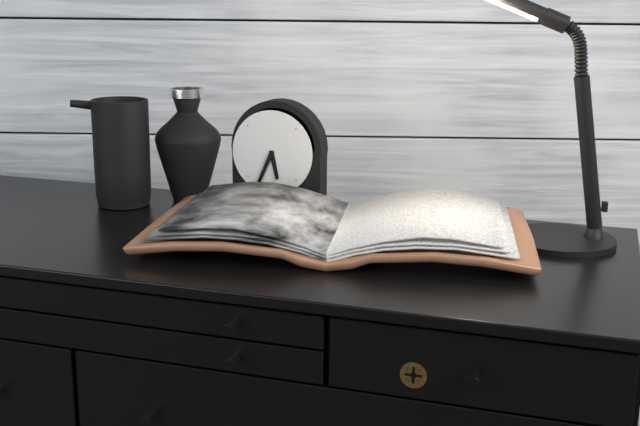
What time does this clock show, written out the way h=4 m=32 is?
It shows h=5 m=34
